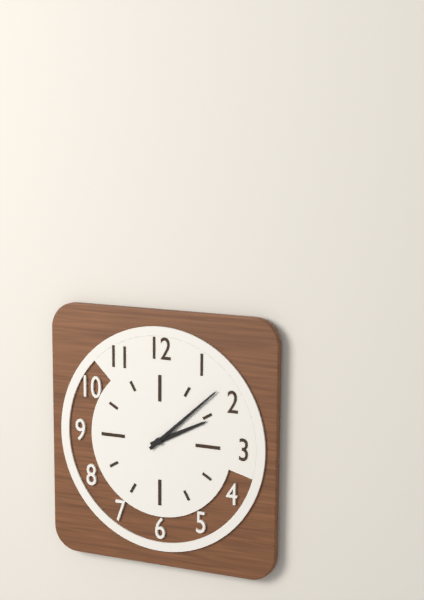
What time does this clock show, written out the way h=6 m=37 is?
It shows h=2 m=8
